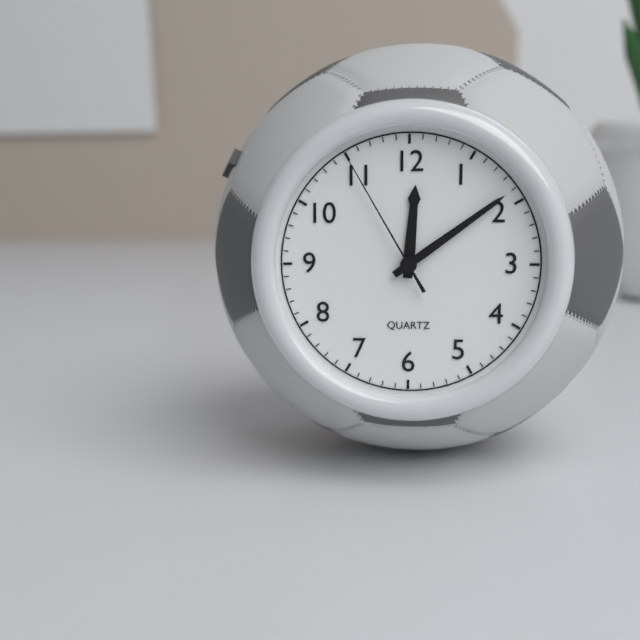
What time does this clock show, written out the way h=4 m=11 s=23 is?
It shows h=12 m=9 s=55
